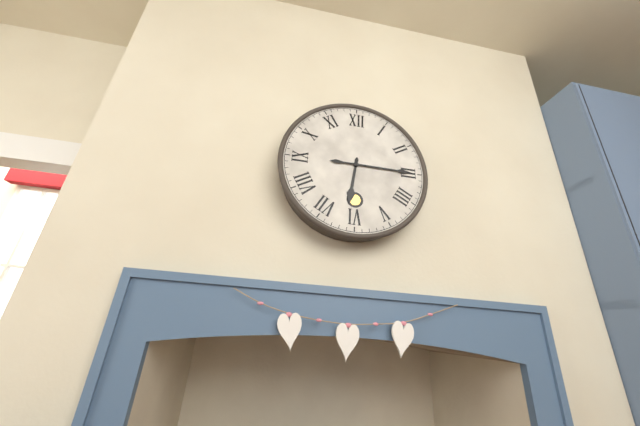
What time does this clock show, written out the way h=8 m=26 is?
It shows h=6 m=15
